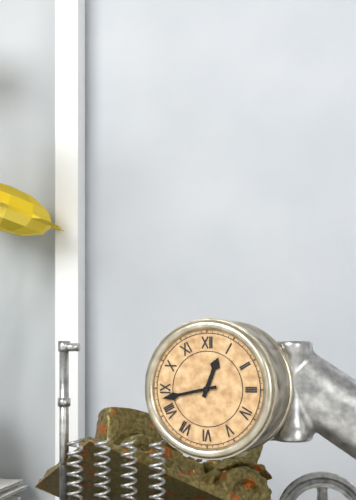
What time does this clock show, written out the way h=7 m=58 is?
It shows h=12 m=43
